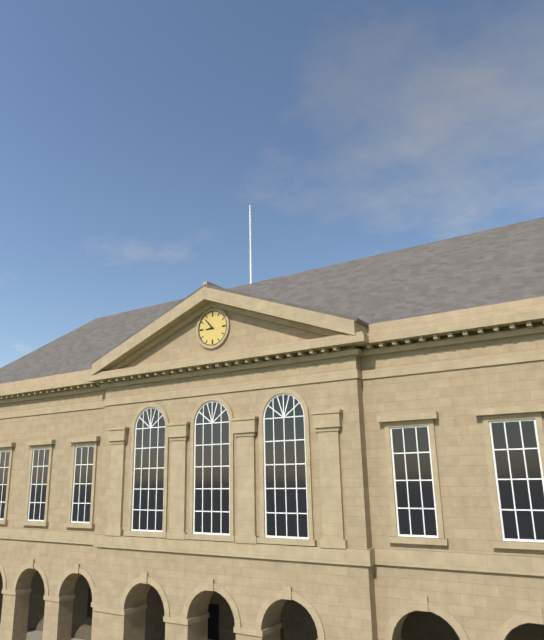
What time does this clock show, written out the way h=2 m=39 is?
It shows h=8 m=53
